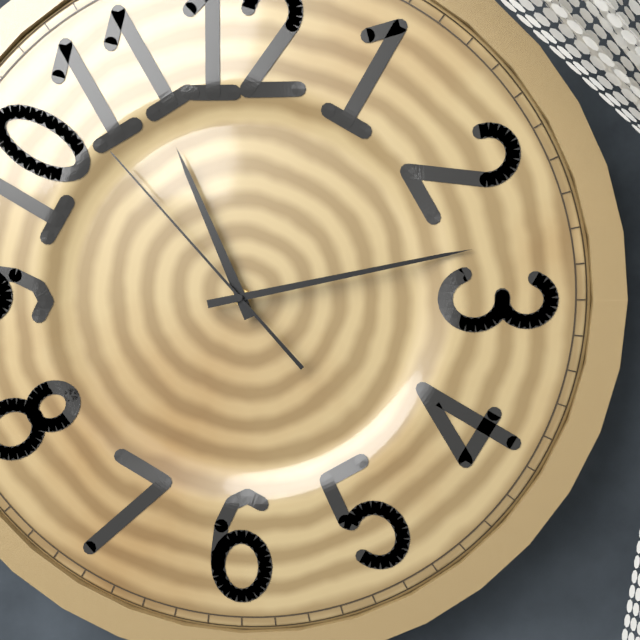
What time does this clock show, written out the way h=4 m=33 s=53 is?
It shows h=11 m=13 s=53
